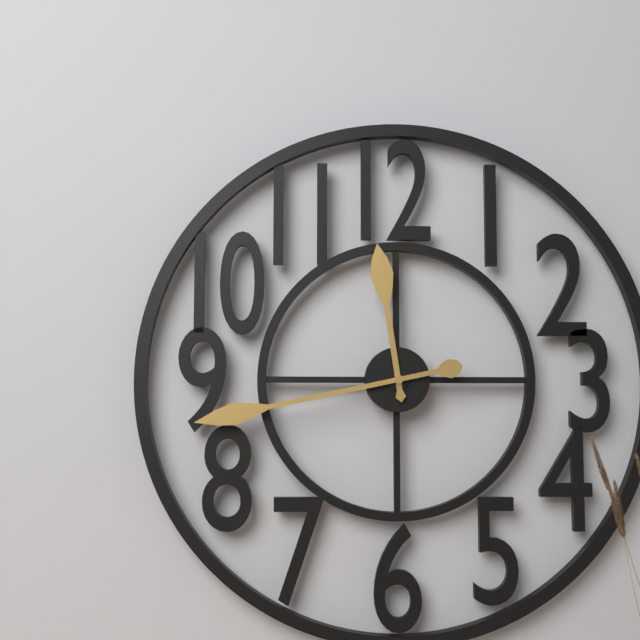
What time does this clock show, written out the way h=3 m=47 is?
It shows h=11 m=43
